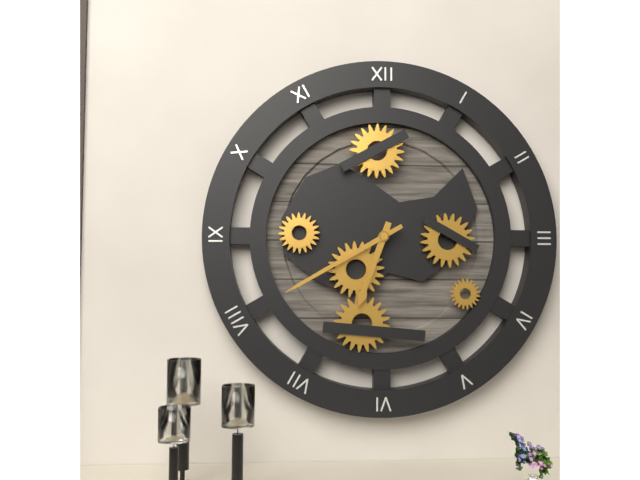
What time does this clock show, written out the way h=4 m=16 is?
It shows h=6 m=40
